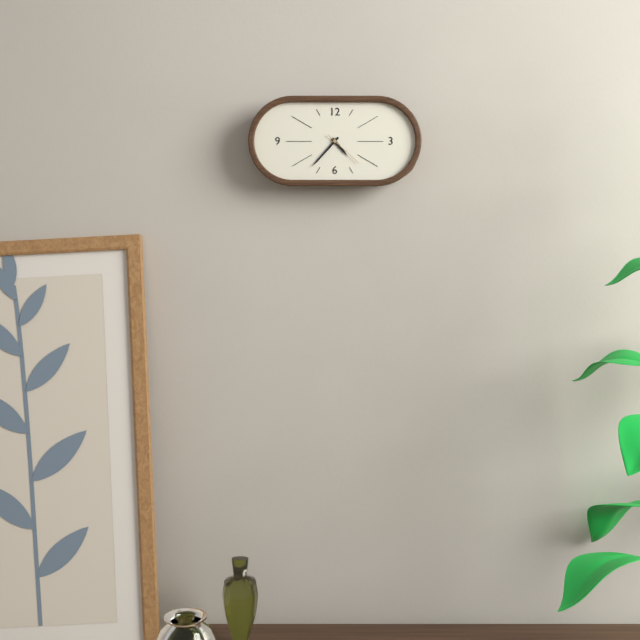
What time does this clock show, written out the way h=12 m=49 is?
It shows h=4 m=37
